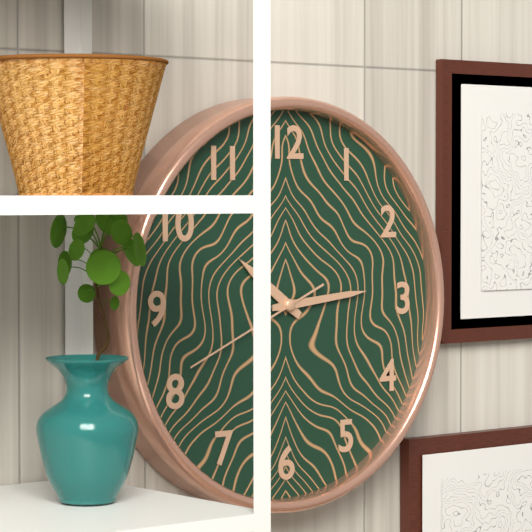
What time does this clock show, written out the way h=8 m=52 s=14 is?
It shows h=10 m=14 s=41
